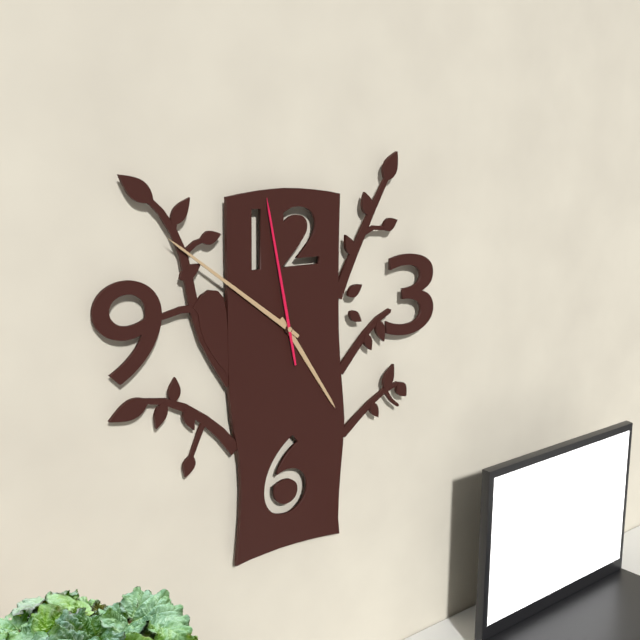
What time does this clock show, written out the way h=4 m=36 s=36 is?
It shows h=4 m=51 s=58
